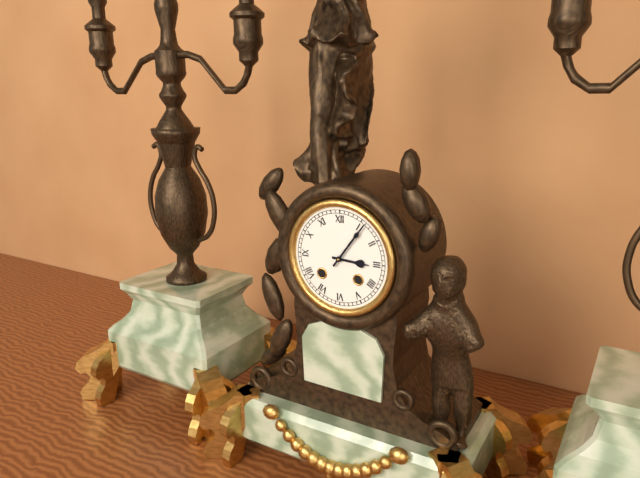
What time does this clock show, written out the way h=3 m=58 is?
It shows h=3 m=6
